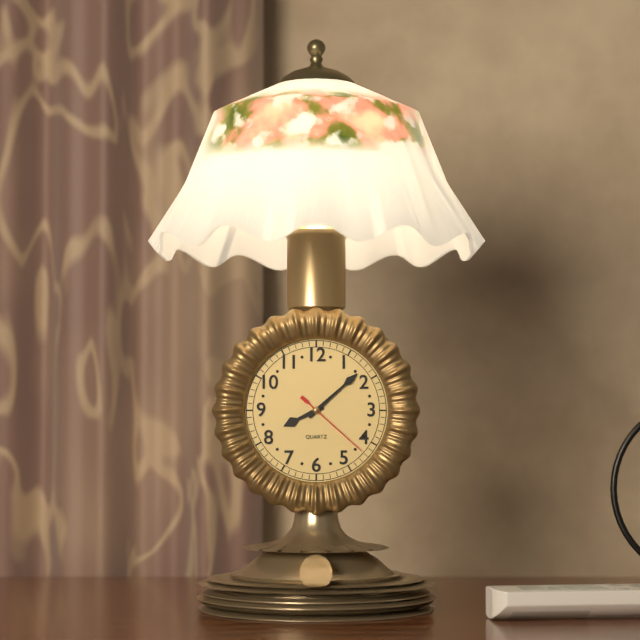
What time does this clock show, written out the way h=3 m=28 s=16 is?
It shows h=8 m=8 s=22
